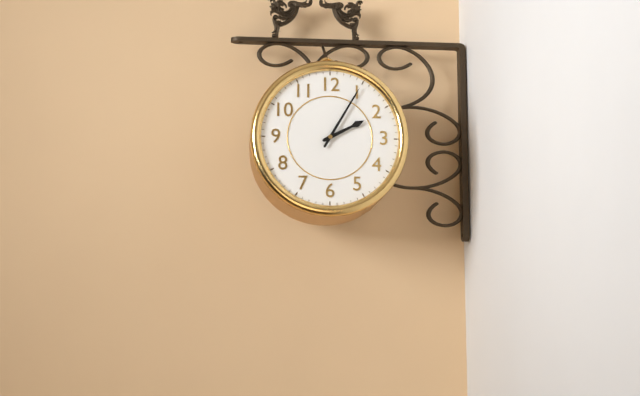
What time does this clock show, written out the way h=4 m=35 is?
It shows h=2 m=5
